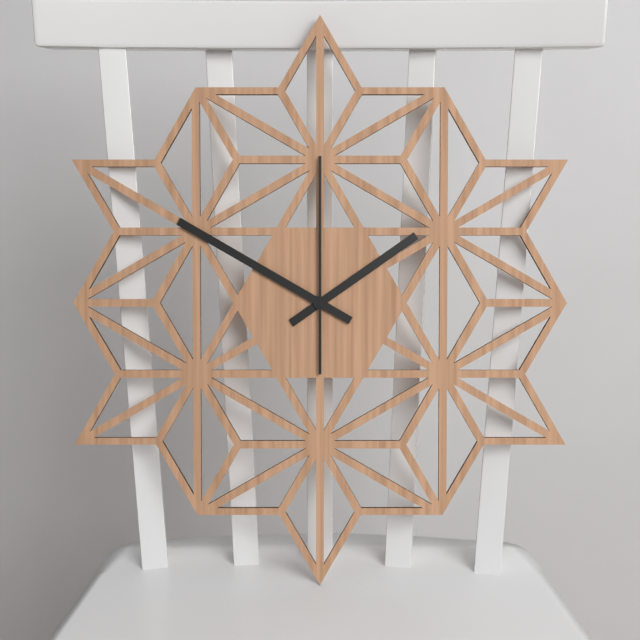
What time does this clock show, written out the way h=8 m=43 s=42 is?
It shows h=1 m=50 s=0
